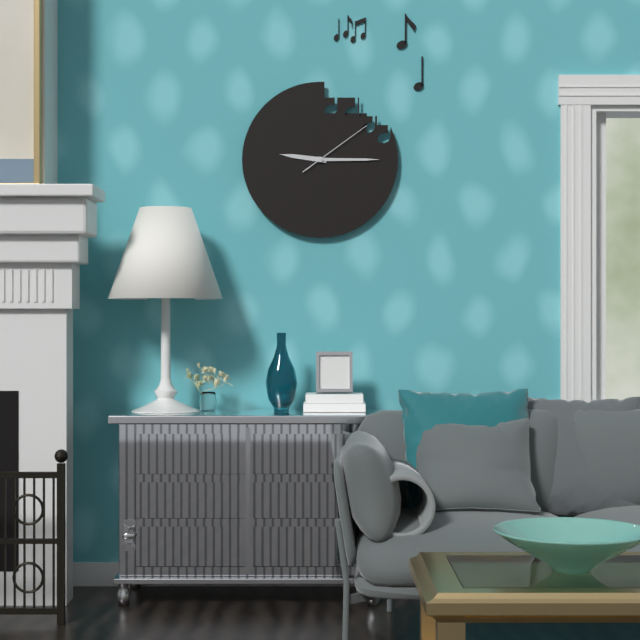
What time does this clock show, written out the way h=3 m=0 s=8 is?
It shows h=9 m=15 s=9
